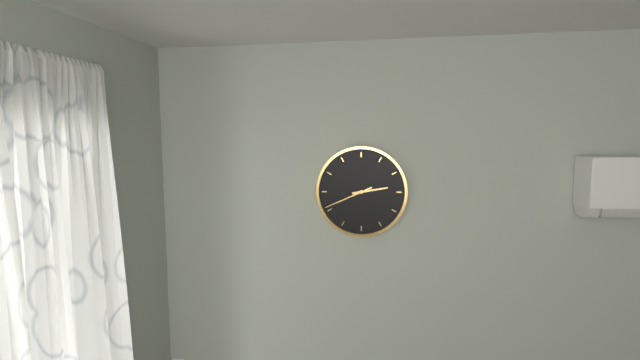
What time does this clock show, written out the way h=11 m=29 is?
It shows h=2 m=41
